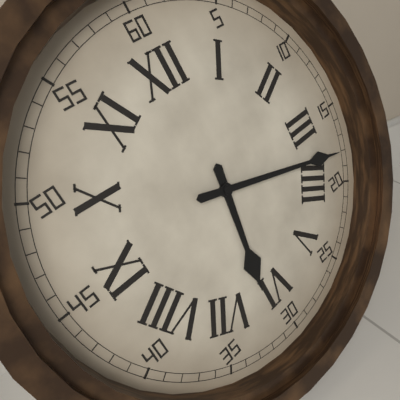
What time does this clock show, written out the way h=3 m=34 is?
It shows h=6 m=18
